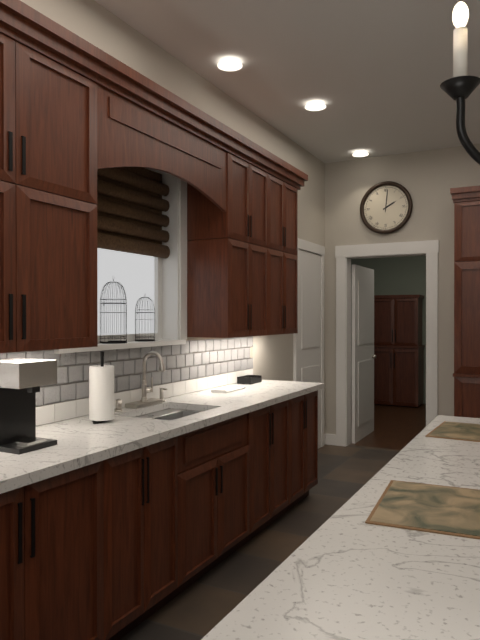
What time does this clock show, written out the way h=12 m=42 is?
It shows h=2 m=1
